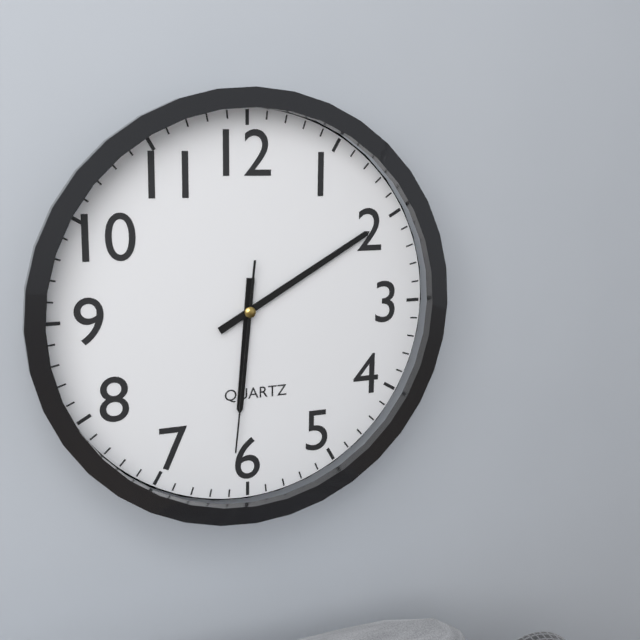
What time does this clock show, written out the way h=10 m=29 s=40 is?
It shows h=6 m=10 s=31
